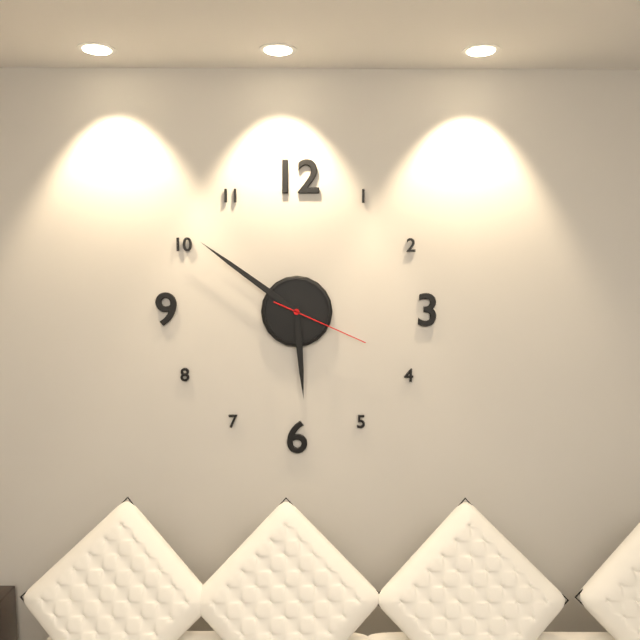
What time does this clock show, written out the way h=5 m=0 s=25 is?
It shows h=5 m=51 s=19
